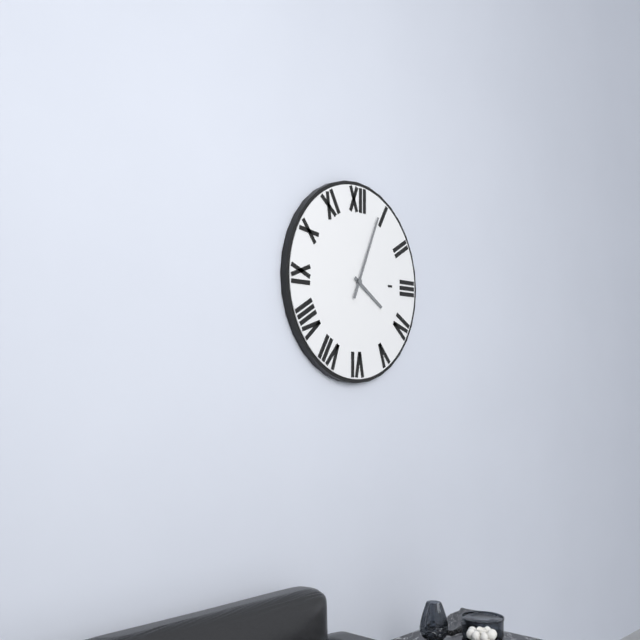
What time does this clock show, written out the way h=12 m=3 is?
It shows h=4 m=4
